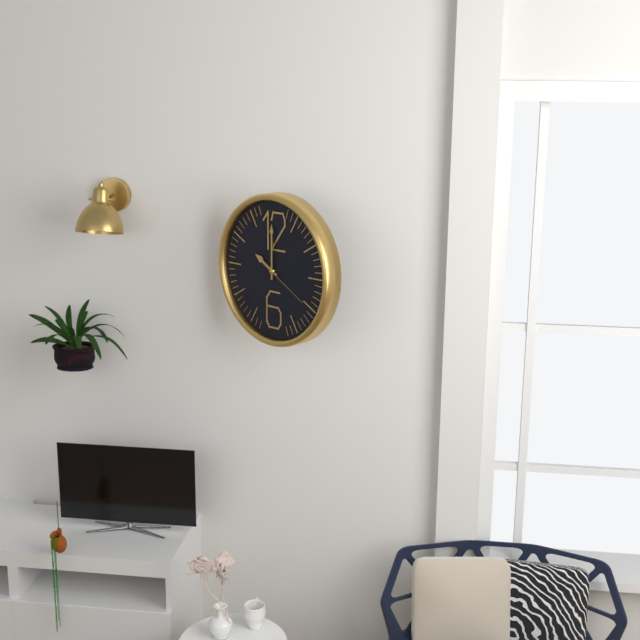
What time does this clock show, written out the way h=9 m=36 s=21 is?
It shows h=10 m=0 s=20
